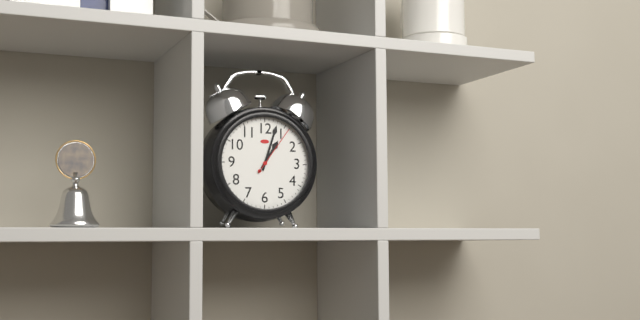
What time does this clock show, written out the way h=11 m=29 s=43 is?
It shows h=1 m=3 s=6
